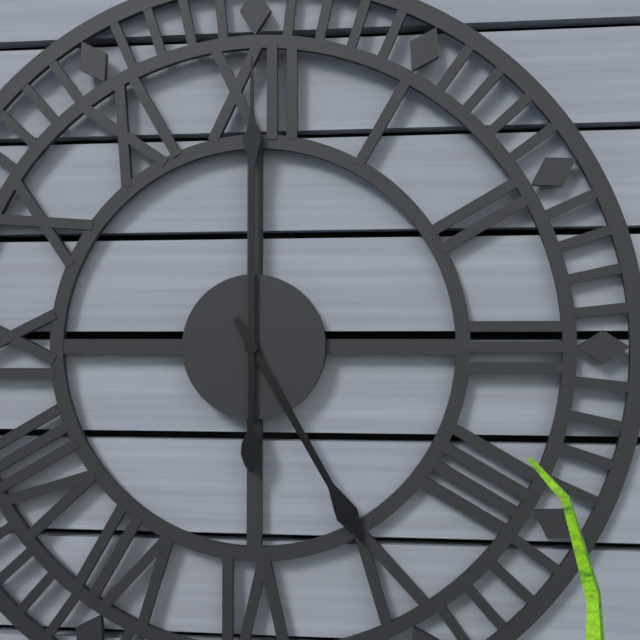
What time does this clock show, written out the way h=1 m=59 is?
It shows h=5 m=0
